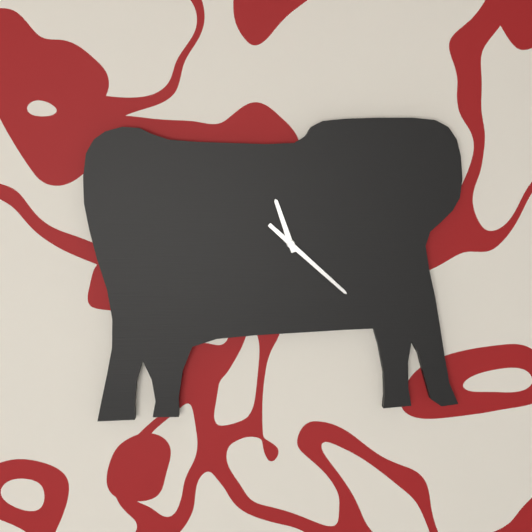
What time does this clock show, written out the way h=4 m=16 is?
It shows h=11 m=22
